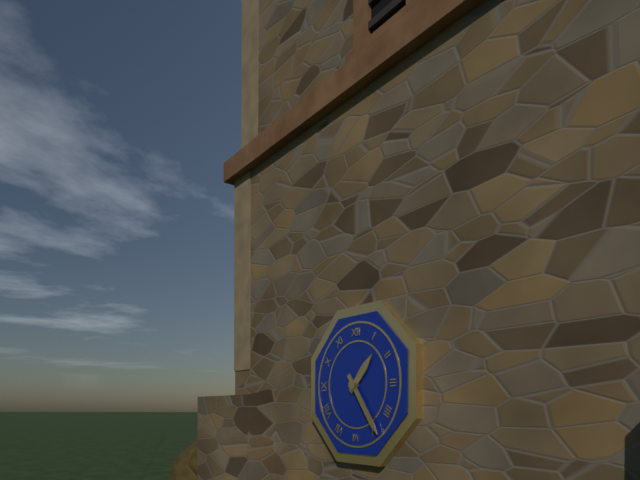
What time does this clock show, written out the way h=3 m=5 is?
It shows h=1 m=24
